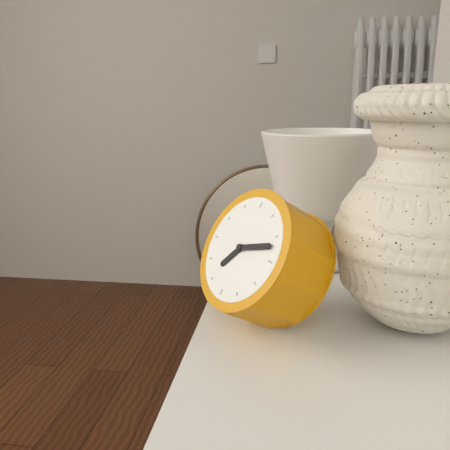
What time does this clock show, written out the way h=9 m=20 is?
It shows h=7 m=12
